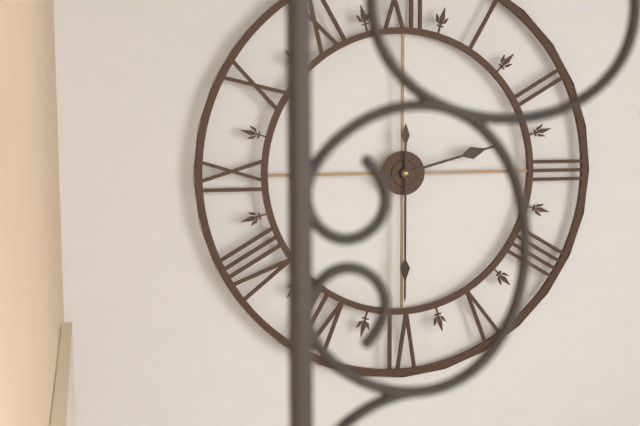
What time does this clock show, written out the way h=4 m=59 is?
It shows h=2 m=30
